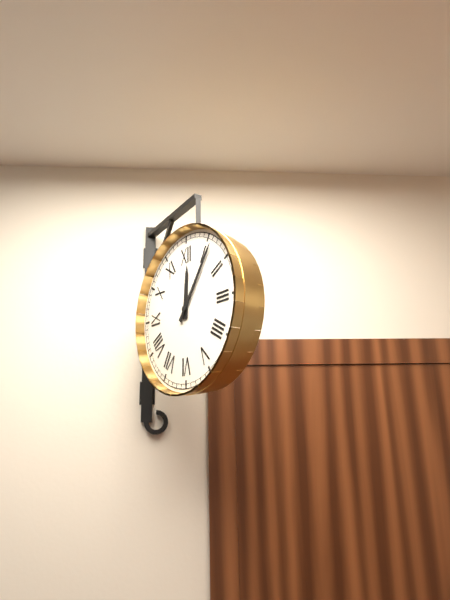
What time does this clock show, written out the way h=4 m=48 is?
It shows h=12 m=6
